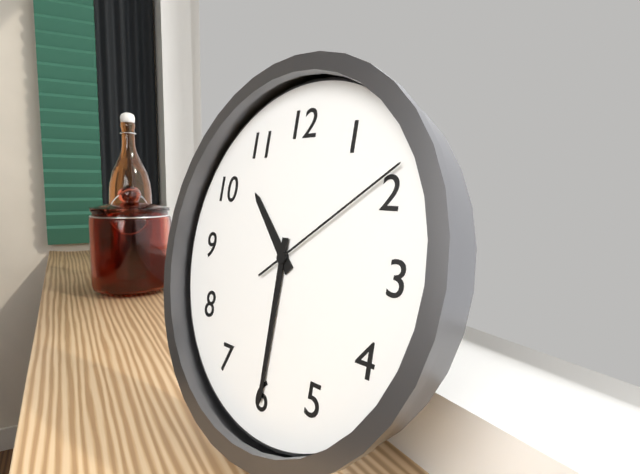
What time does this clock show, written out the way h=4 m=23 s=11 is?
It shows h=10 m=30 s=9
